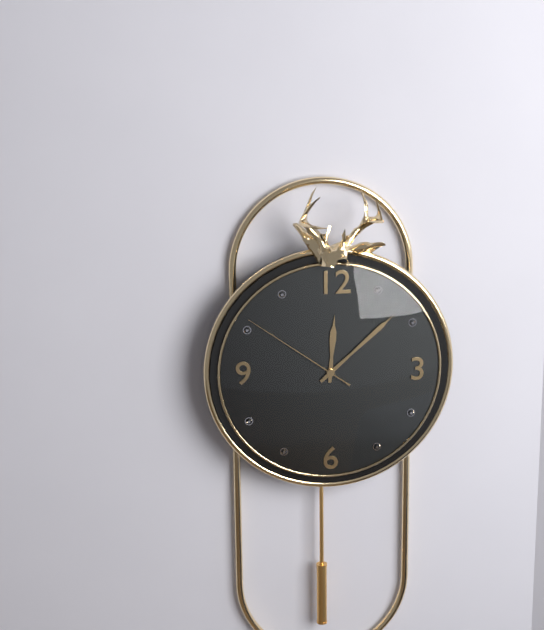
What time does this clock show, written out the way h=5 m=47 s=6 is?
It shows h=12 m=8 s=51
